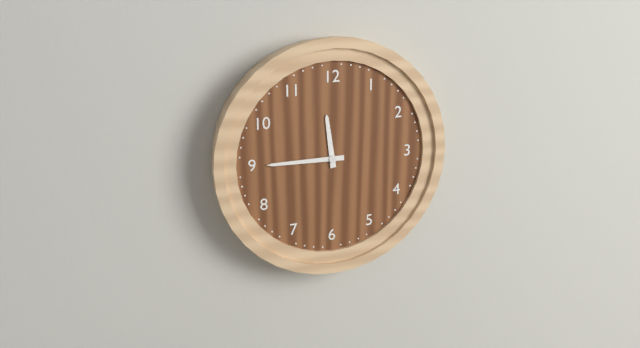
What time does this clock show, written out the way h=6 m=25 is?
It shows h=11 m=45
